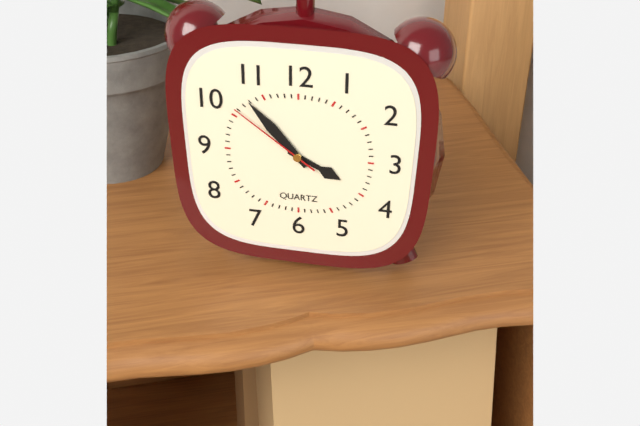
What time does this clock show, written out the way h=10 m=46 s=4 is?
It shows h=3 m=53 s=51
